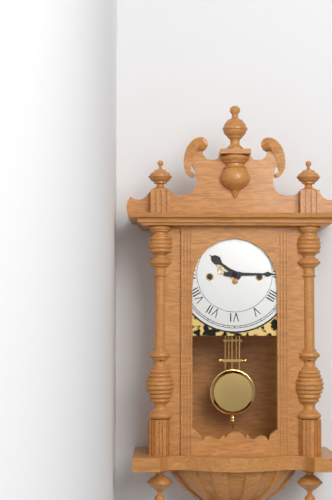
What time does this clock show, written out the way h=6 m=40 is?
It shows h=10 m=15
